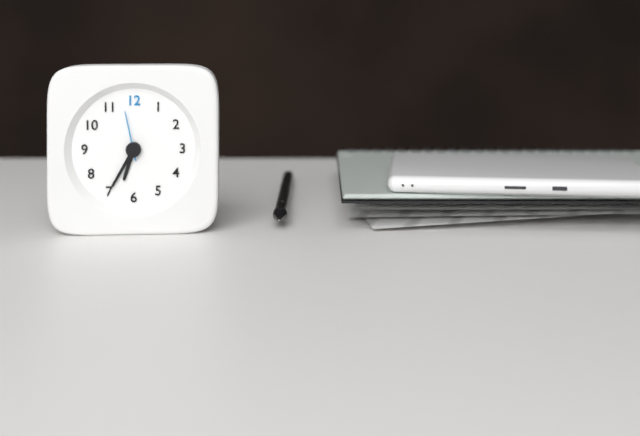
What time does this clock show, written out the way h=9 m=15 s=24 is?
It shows h=6 m=35 s=58
